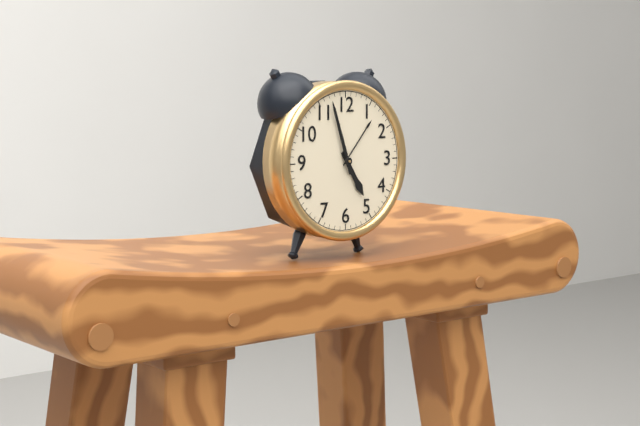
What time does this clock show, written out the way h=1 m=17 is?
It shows h=4 m=57
